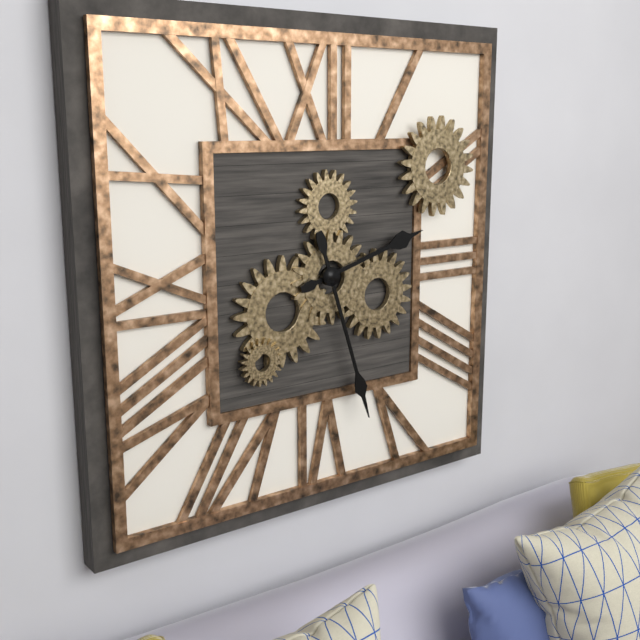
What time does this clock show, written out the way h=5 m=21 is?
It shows h=2 m=27
